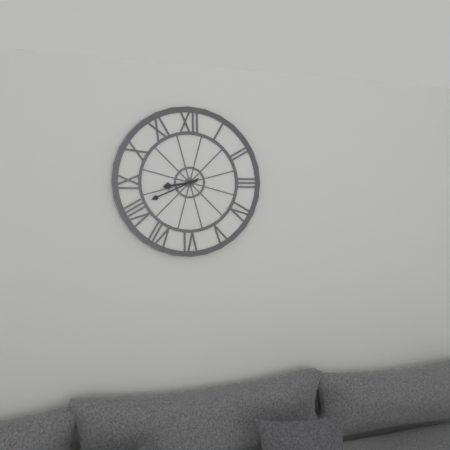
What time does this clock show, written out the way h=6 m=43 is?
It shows h=8 m=41
